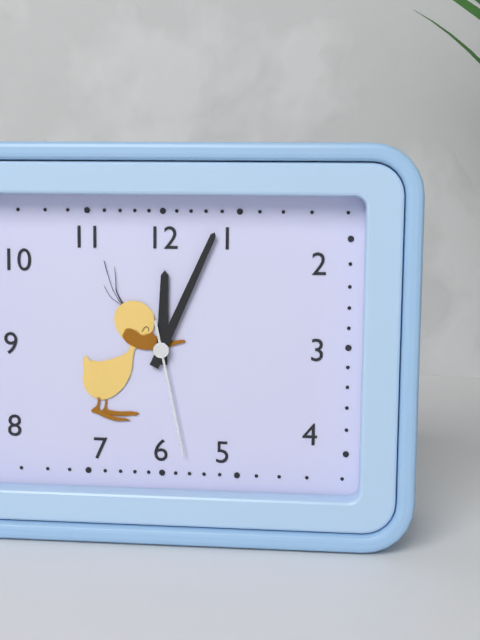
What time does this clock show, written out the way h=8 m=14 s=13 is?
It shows h=12 m=4 s=28
